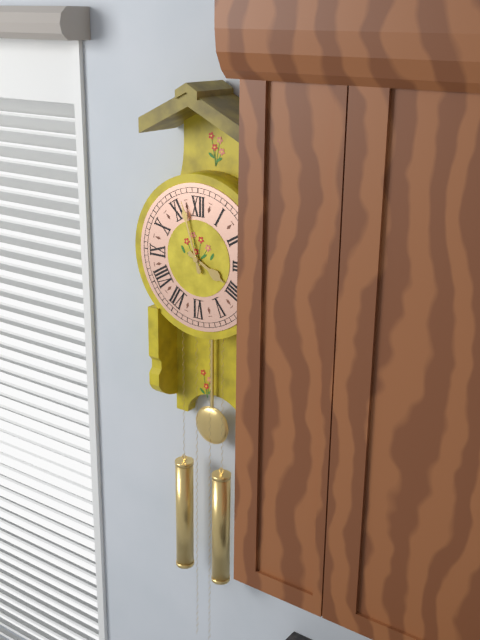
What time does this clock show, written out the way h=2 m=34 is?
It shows h=3 m=57
